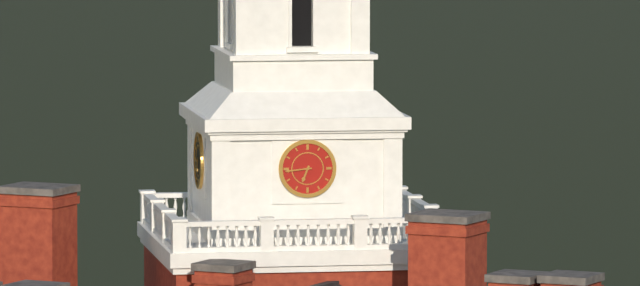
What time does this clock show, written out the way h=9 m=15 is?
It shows h=6 m=44
